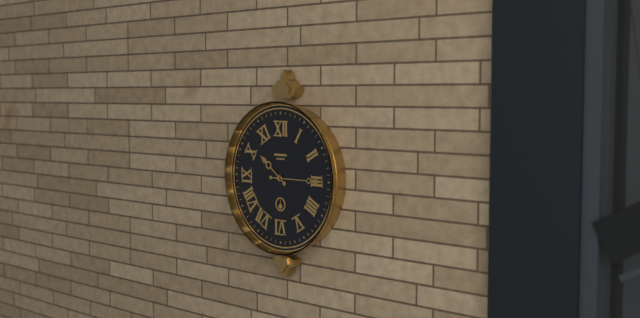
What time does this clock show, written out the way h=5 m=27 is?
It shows h=10 m=15
